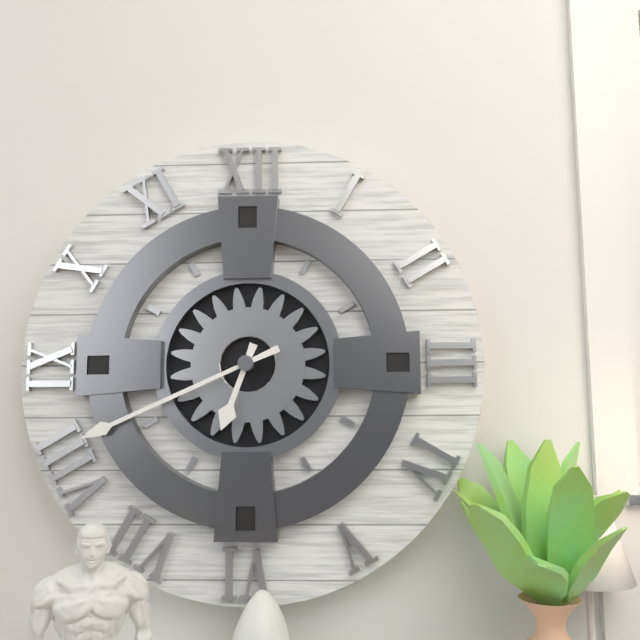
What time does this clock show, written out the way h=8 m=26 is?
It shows h=6 m=41
